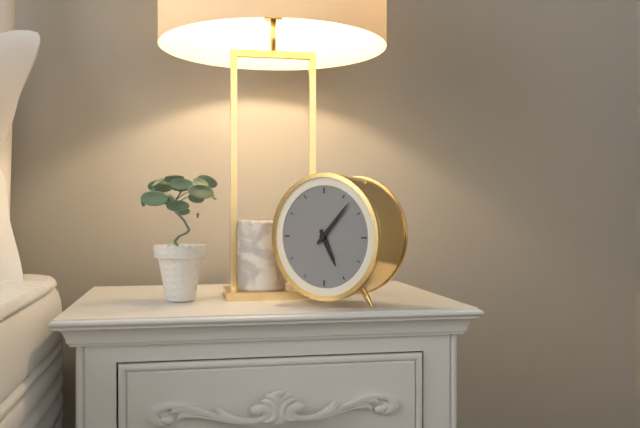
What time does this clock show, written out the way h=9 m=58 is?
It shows h=5 m=7
